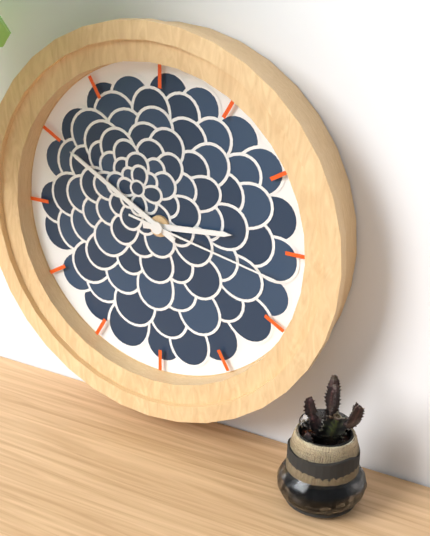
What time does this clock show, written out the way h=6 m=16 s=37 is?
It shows h=2 m=50 s=17
